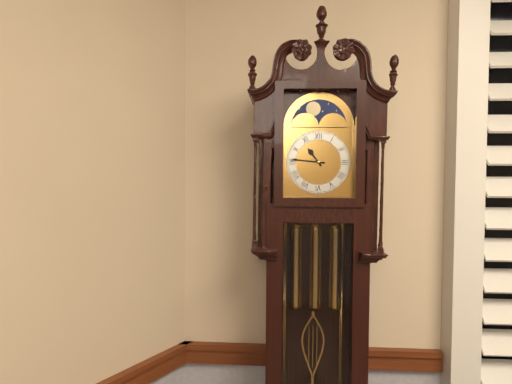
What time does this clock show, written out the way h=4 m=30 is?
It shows h=10 m=46
